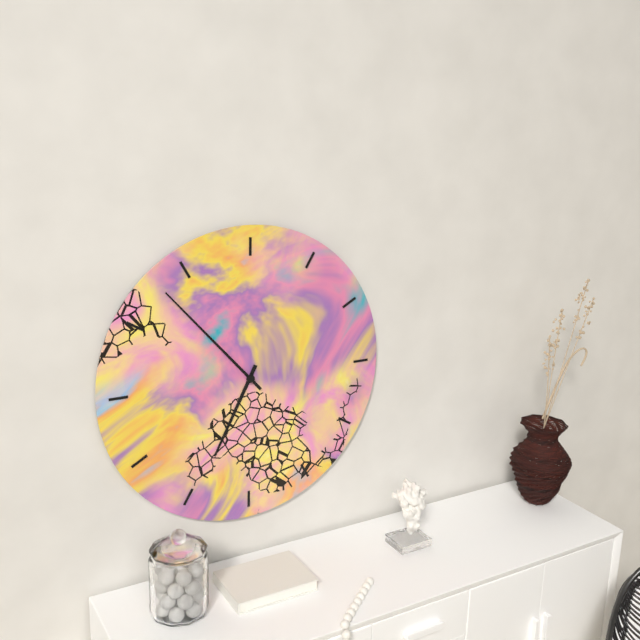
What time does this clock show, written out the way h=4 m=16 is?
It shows h=6 m=53
